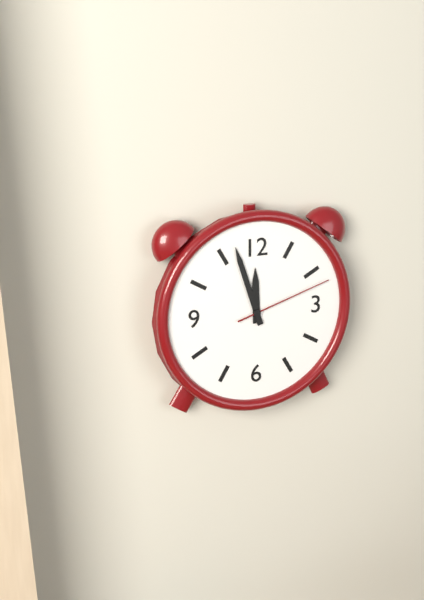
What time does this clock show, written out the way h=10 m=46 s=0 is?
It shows h=11 m=57 s=12
